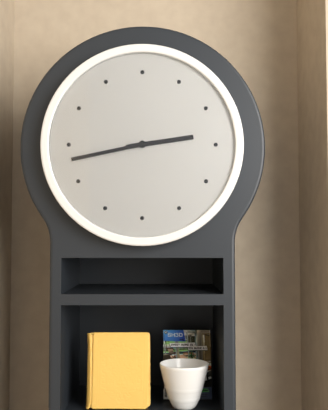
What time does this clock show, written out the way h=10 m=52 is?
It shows h=2 m=43
